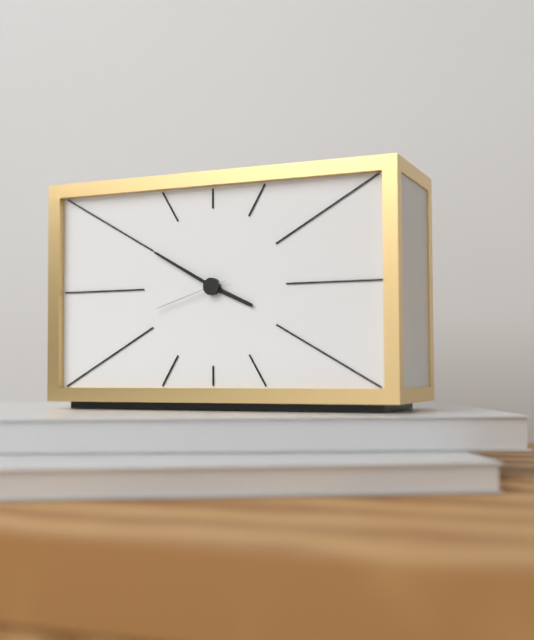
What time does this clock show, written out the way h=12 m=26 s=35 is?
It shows h=3 m=50 s=42
